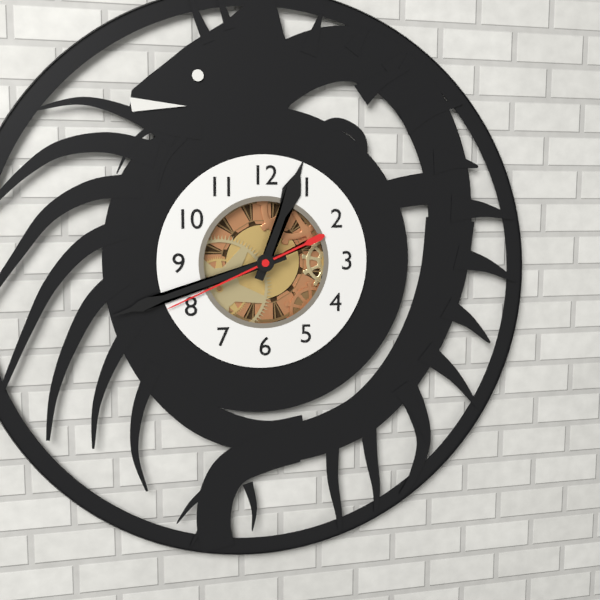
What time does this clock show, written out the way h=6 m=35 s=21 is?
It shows h=12 m=42 s=41
